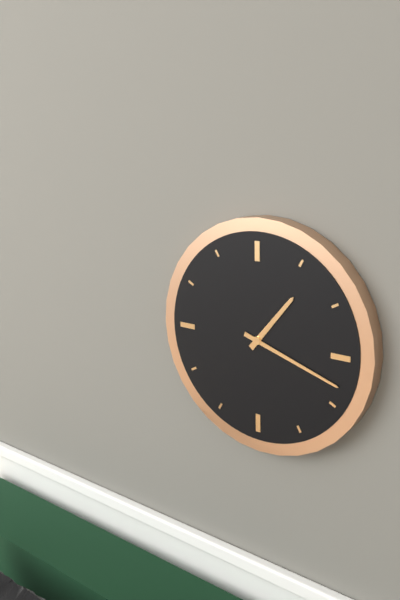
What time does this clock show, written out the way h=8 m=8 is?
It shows h=1 m=18
